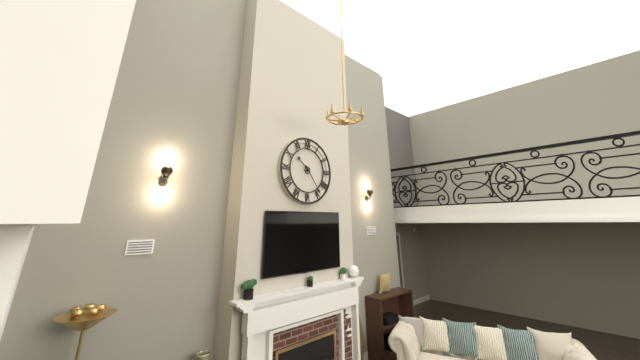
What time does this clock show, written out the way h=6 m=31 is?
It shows h=10 m=24
